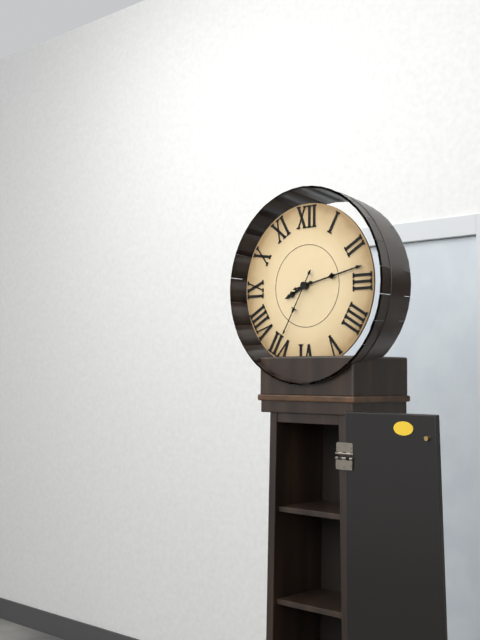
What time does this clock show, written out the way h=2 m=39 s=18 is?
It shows h=8 m=13 s=35
